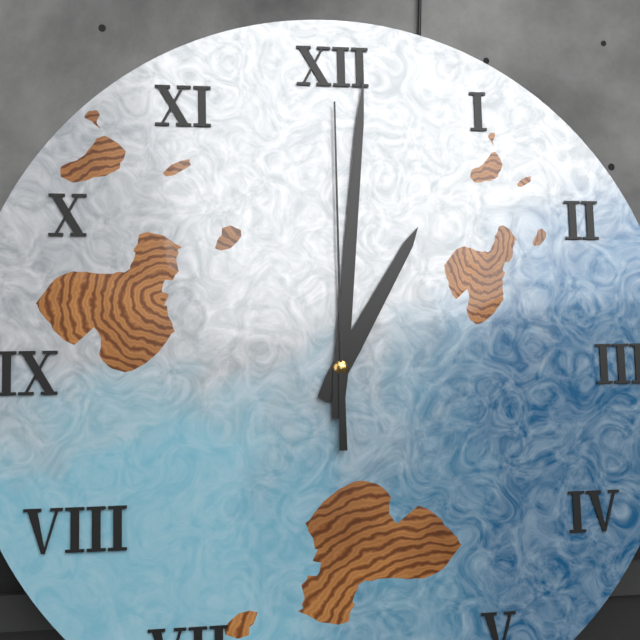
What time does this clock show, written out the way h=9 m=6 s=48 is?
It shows h=1 m=1 s=0
